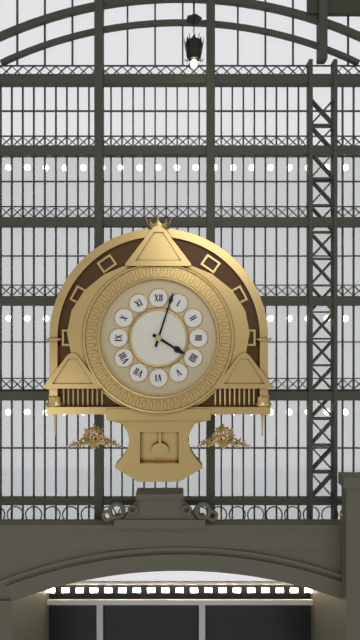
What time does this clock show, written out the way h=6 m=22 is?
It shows h=4 m=3
